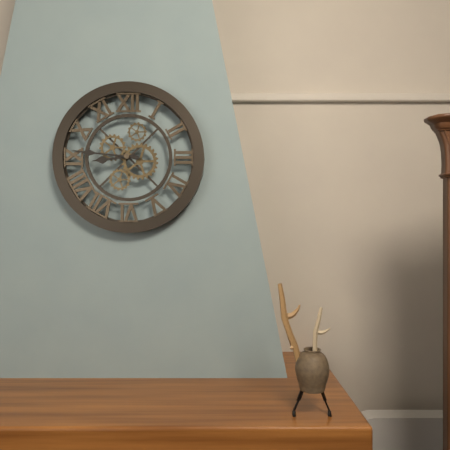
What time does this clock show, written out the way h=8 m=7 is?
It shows h=8 m=46
